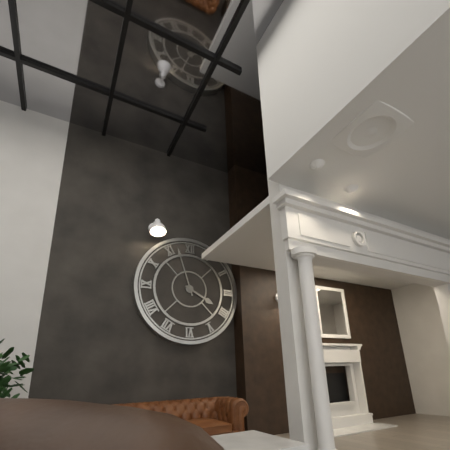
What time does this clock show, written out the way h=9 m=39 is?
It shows h=3 m=57
